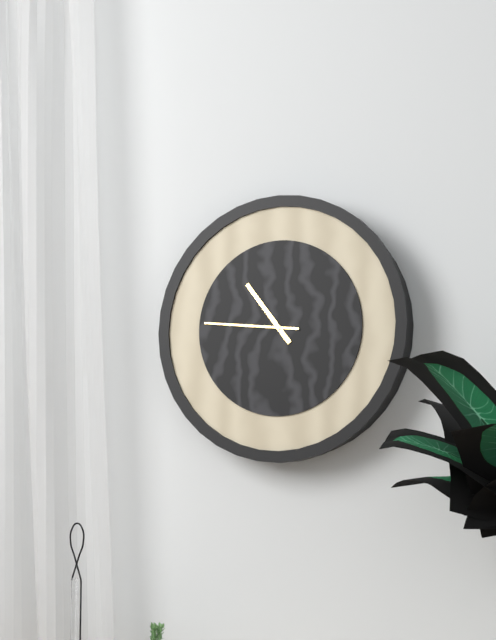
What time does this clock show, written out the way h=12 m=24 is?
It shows h=10 m=46
